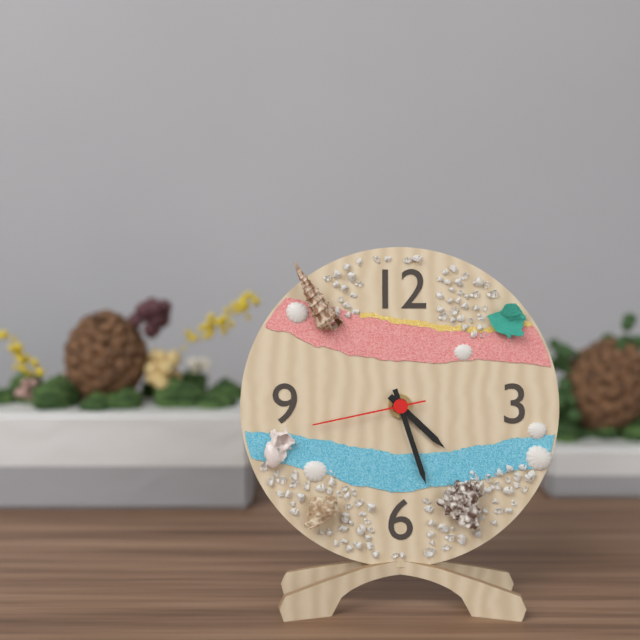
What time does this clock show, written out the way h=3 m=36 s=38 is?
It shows h=4 m=27 s=43
